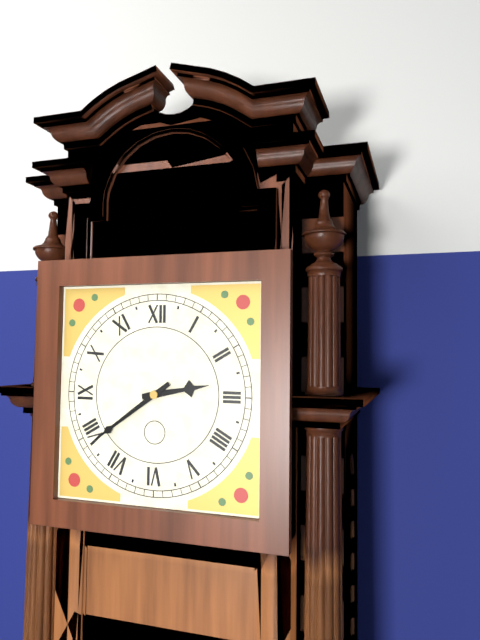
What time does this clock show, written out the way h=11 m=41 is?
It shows h=2 m=39
